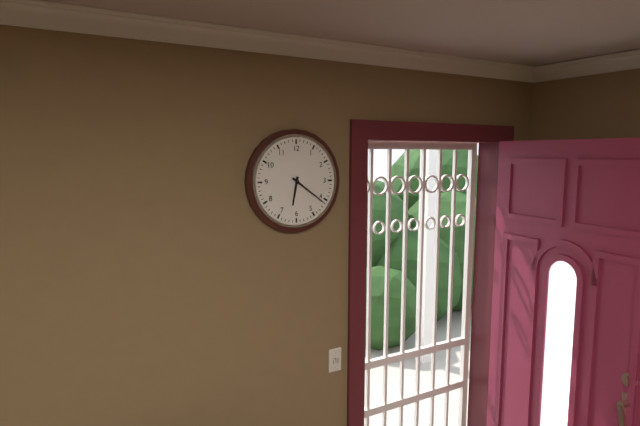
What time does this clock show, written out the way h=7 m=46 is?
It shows h=6 m=21
